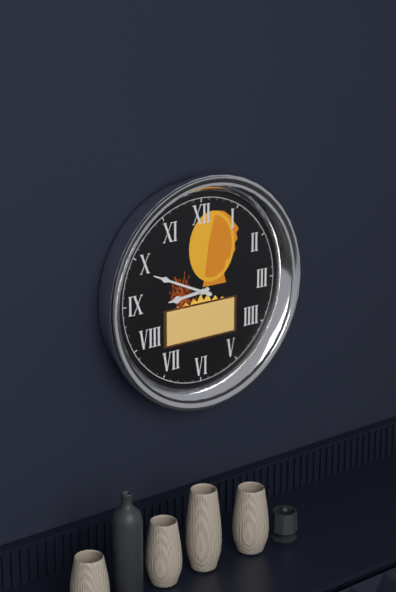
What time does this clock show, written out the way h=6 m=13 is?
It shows h=8 m=49
